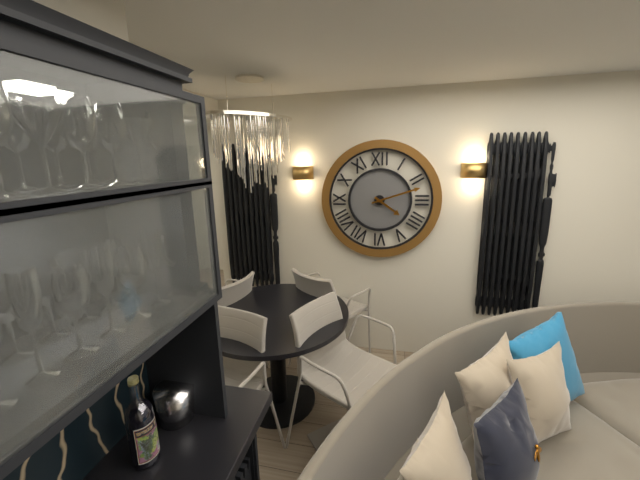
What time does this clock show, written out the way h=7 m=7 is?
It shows h=4 m=12
